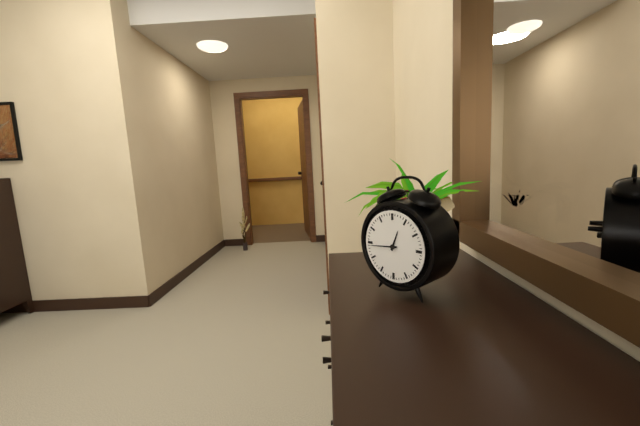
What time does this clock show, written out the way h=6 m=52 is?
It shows h=12 m=44
